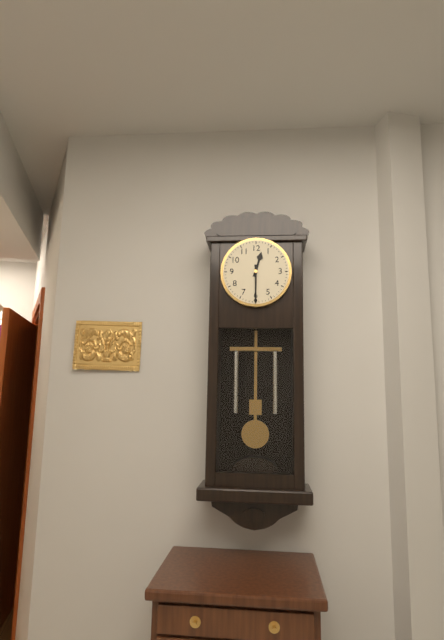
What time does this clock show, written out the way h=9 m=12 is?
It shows h=12 m=30
